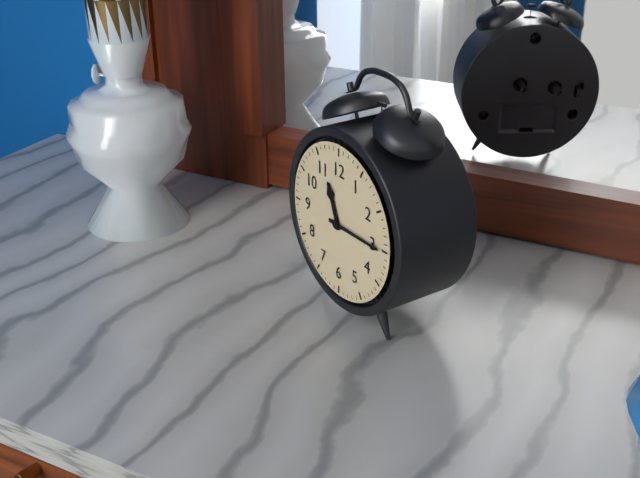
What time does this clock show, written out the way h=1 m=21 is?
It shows h=11 m=15
